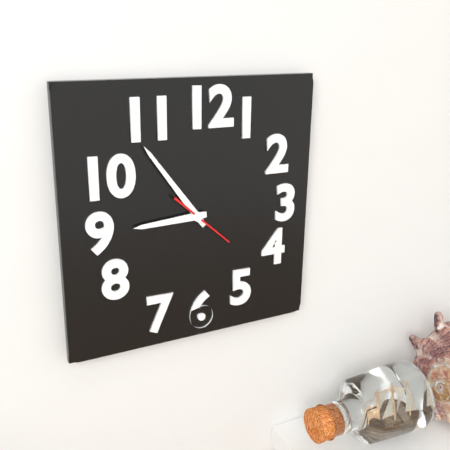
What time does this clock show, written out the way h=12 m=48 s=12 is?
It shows h=8 m=54 s=22
